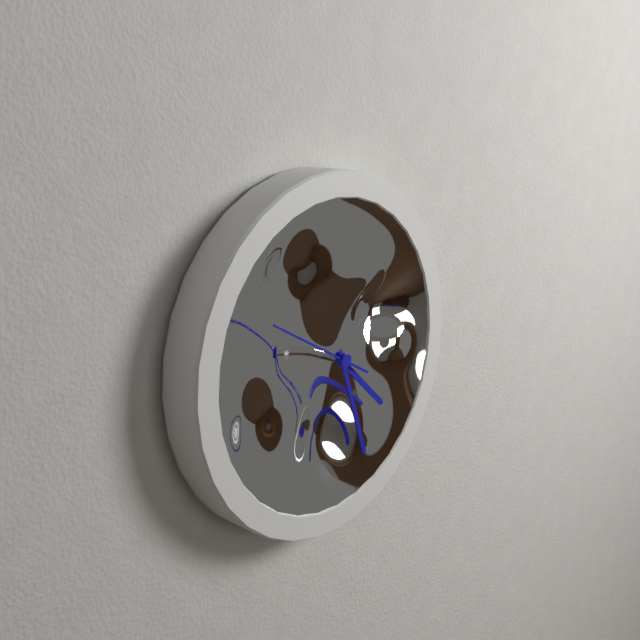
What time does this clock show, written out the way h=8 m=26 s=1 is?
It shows h=4 m=27 s=50
